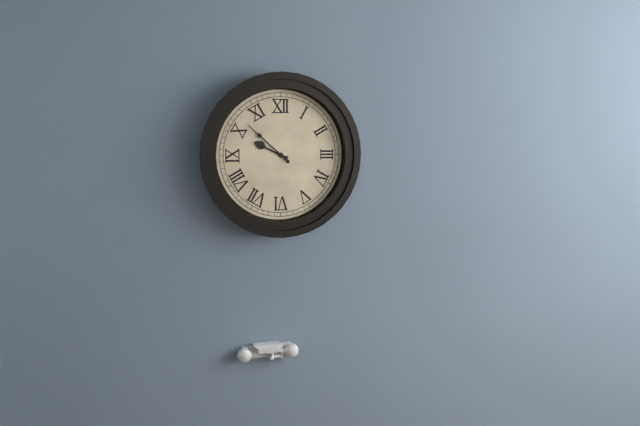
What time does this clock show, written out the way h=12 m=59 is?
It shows h=9 m=52
